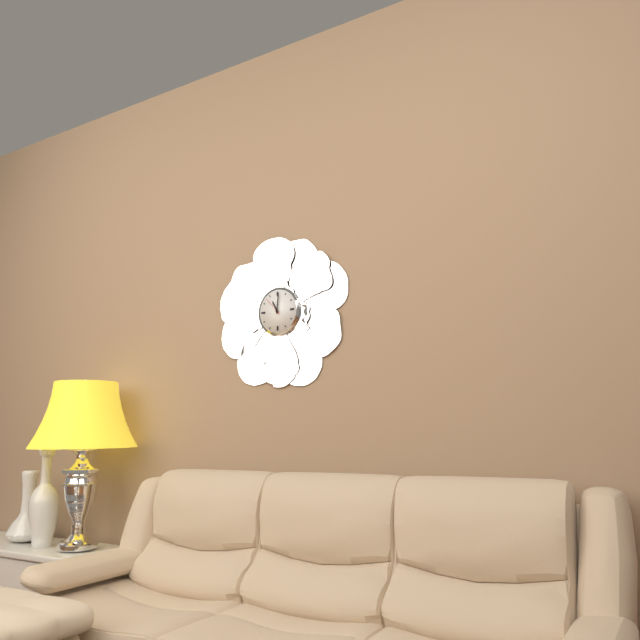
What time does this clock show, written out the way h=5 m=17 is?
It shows h=11 m=1
